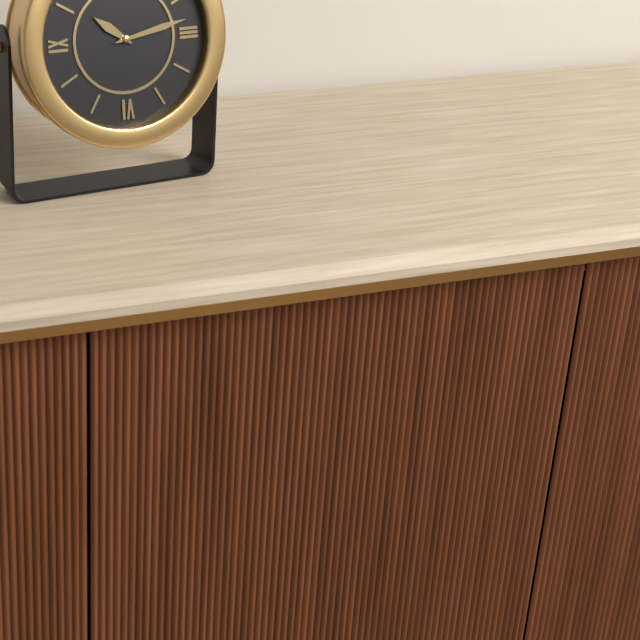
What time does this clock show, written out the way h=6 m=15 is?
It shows h=10 m=13
